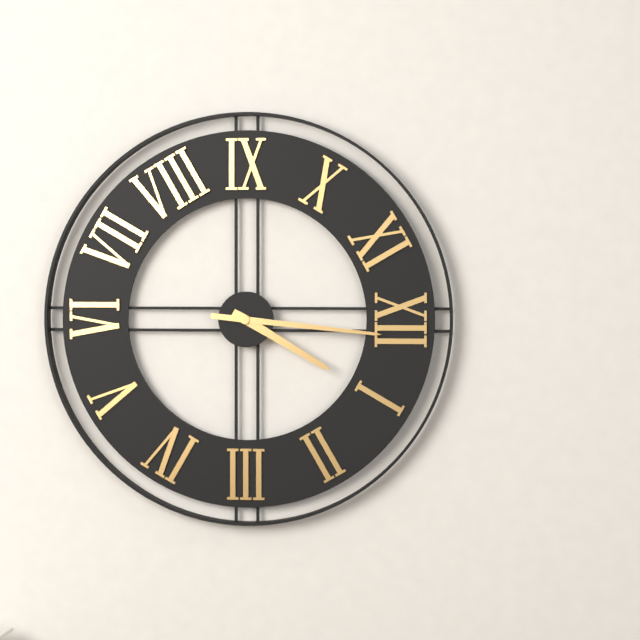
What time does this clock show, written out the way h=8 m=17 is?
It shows h=1 m=1
